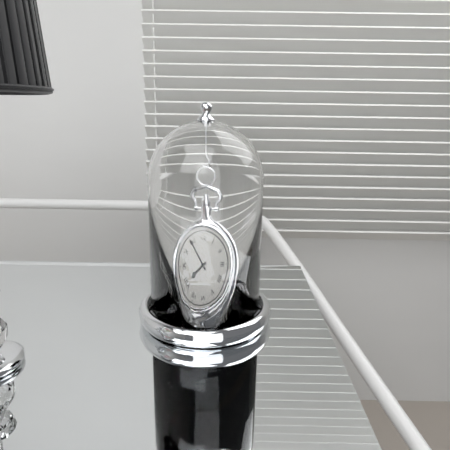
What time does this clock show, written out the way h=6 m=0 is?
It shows h=7 m=54
